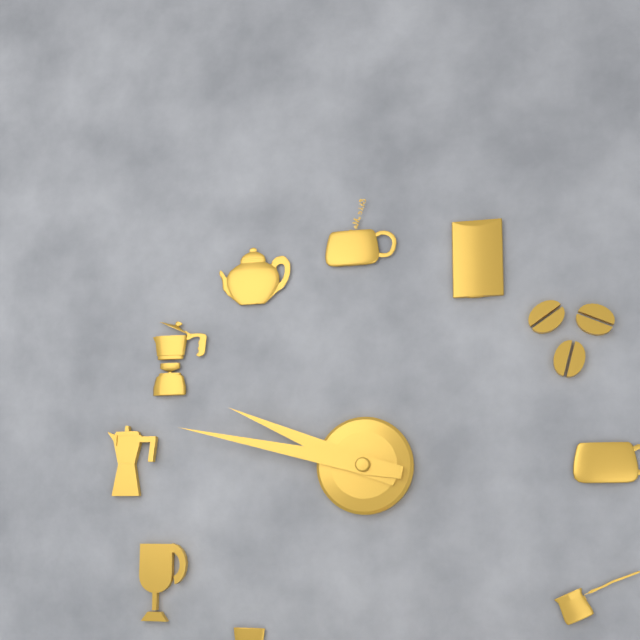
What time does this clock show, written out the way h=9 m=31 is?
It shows h=9 m=47
